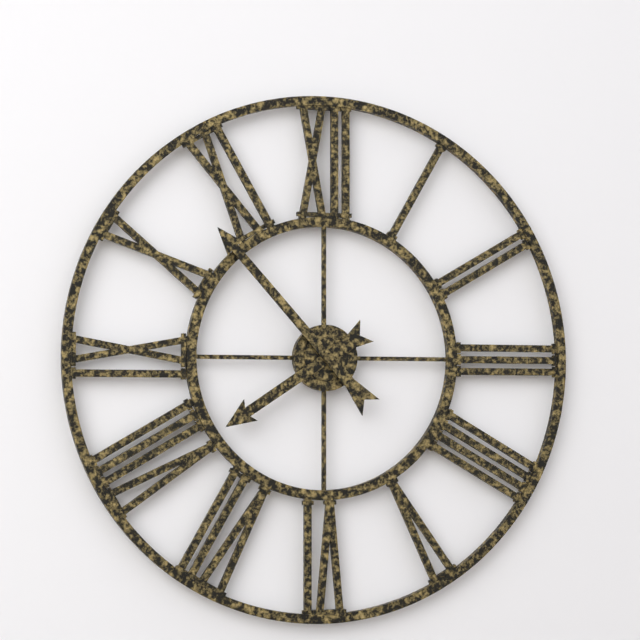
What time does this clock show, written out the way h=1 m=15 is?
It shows h=7 m=53
